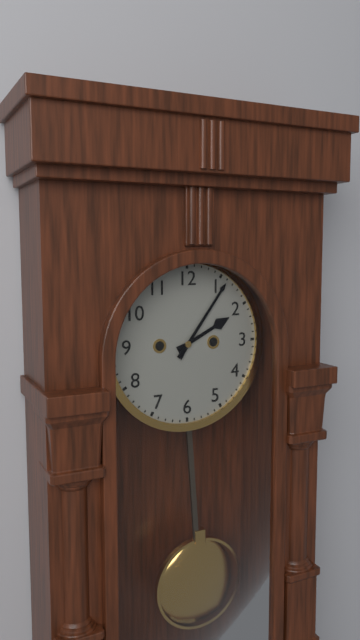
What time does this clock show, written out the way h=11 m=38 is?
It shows h=2 m=6
